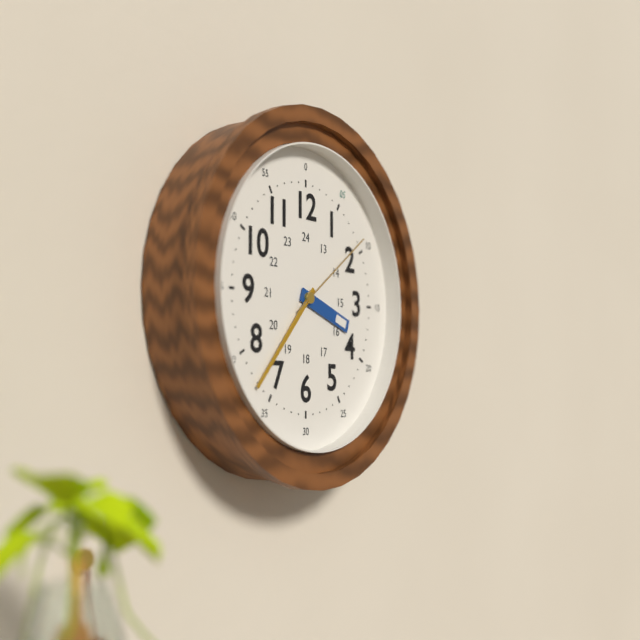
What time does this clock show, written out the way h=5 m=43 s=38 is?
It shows h=3 m=37 s=9
